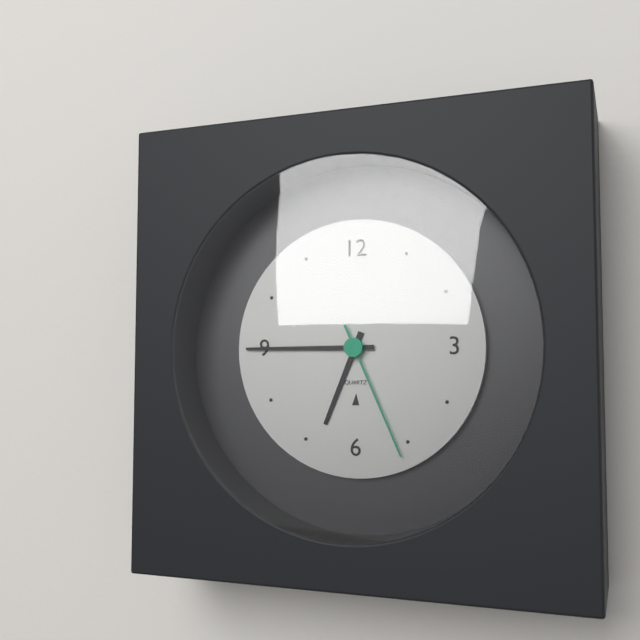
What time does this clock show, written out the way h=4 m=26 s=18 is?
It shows h=6 m=45 s=26
